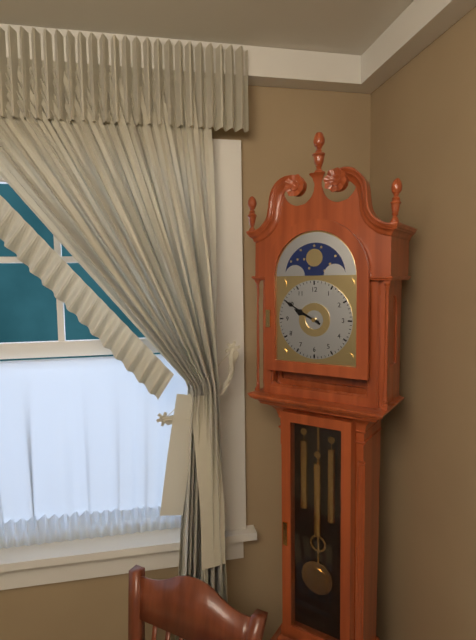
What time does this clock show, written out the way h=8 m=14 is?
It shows h=9 m=50
